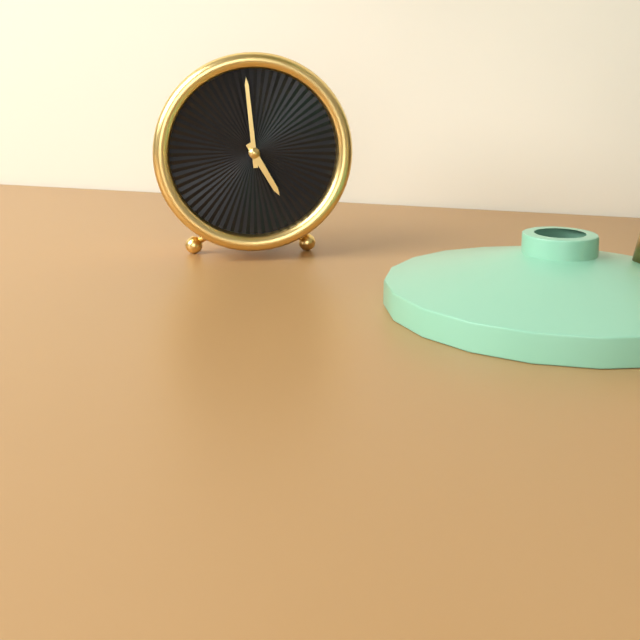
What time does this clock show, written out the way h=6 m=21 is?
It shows h=4 m=59
